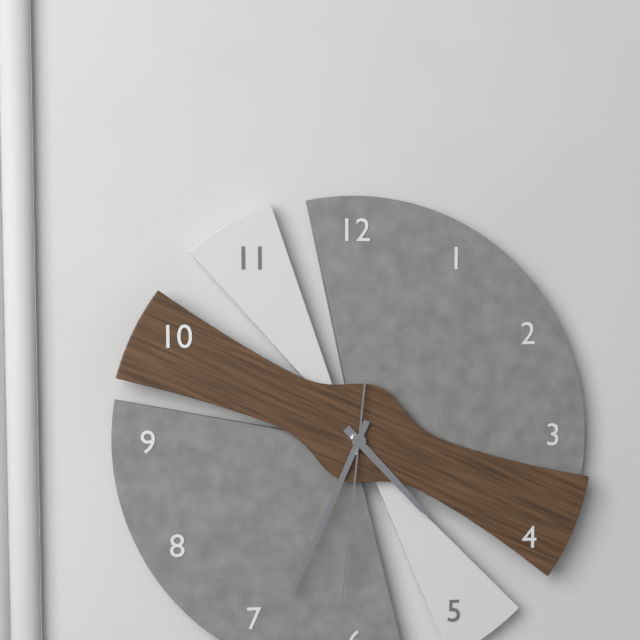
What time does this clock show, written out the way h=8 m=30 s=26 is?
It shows h=4 m=34 s=31
